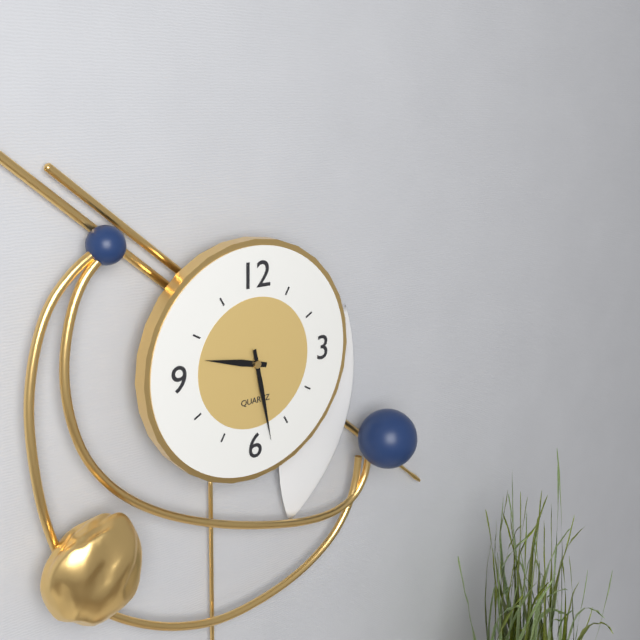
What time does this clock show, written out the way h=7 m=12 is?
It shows h=9 m=28
